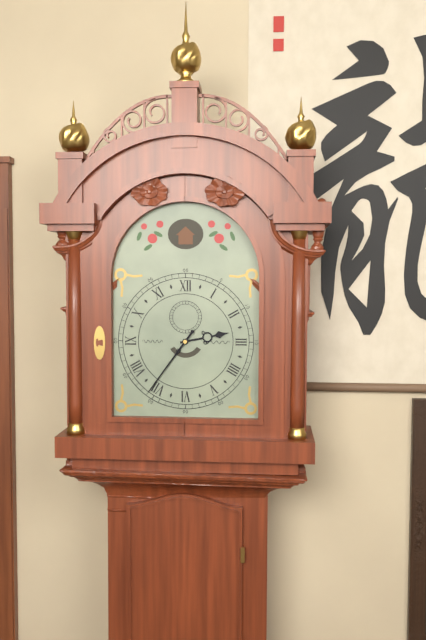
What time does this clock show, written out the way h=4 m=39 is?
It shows h=2 m=36
